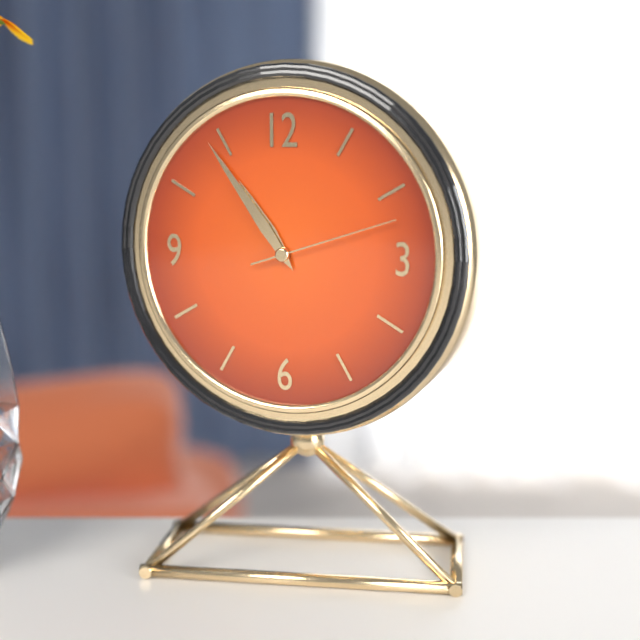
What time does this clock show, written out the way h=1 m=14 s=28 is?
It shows h=10 m=54 s=12
